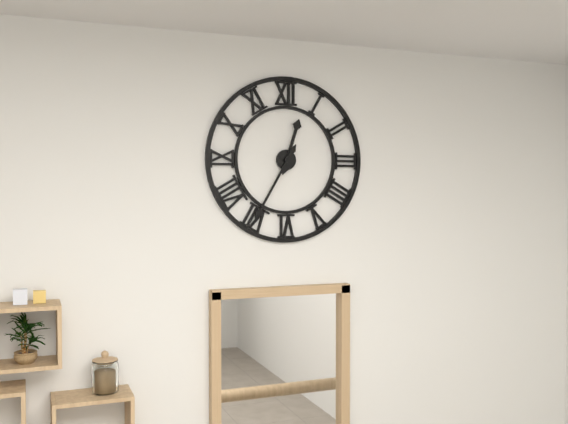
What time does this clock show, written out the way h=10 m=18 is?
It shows h=12 m=35
